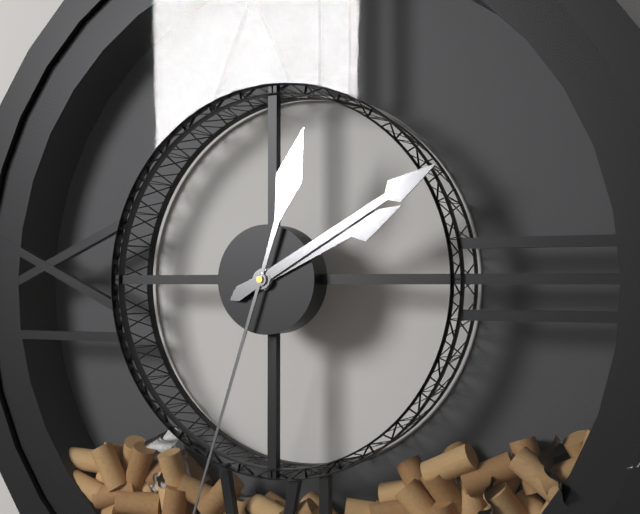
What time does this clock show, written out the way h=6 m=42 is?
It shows h=2 m=10
